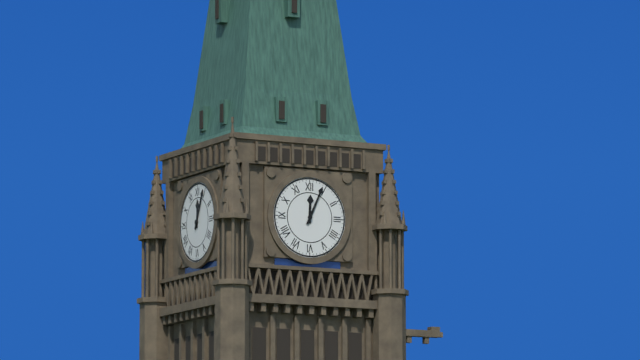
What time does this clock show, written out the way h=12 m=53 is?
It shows h=12 m=4
